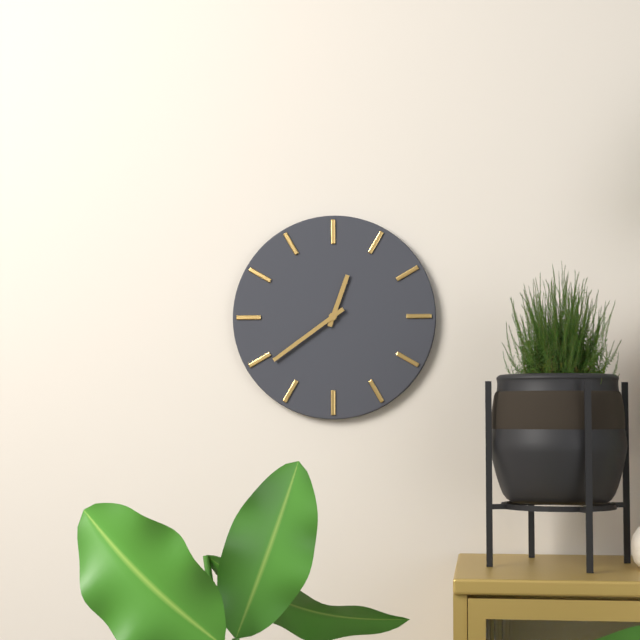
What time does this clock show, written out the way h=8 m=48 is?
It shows h=12 m=39
